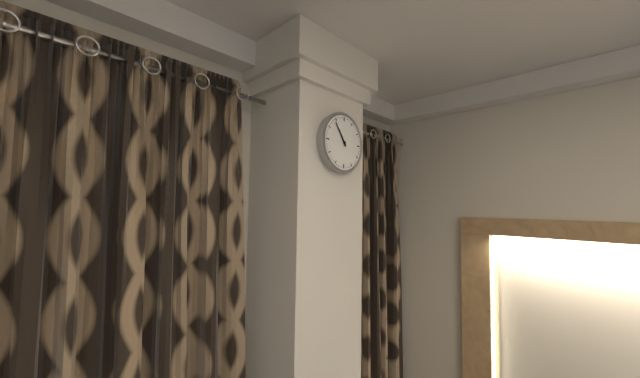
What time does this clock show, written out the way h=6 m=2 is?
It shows h=10 m=54
